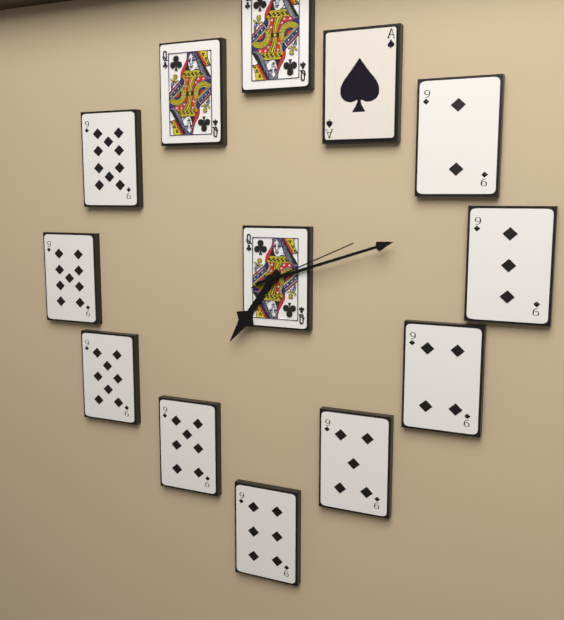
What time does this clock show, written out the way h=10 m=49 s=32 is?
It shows h=7 m=12 s=11
